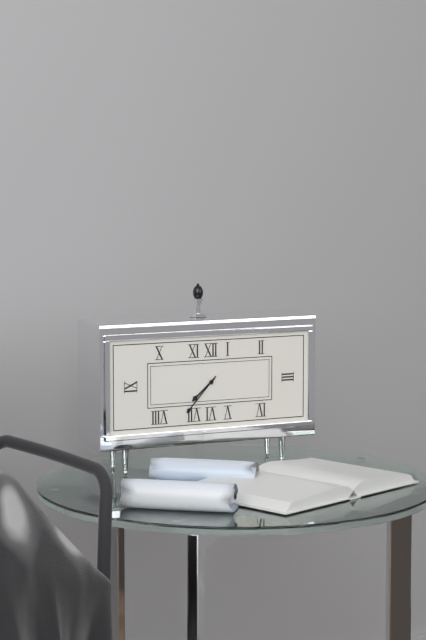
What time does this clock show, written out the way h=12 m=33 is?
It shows h=7 m=37
